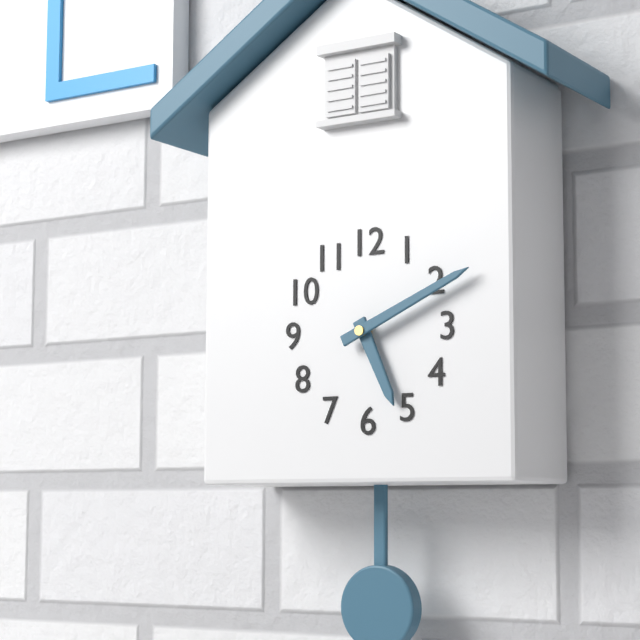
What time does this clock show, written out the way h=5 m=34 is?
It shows h=5 m=11
